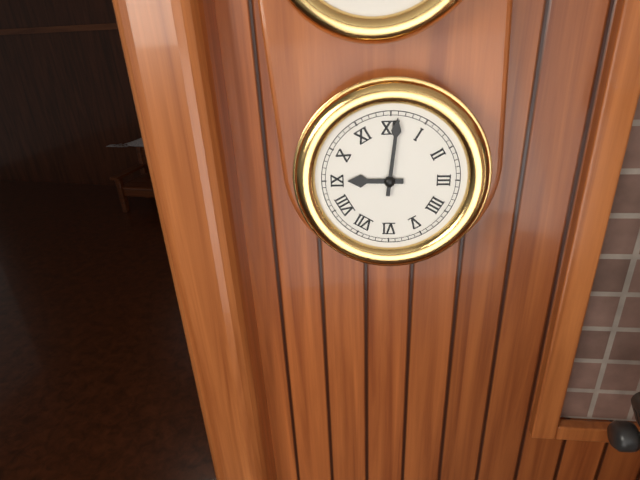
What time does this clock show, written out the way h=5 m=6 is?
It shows h=9 m=1
